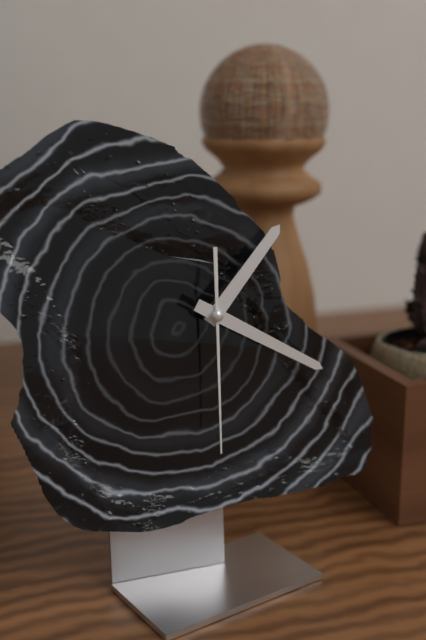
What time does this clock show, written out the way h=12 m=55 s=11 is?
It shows h=1 m=20 s=30
